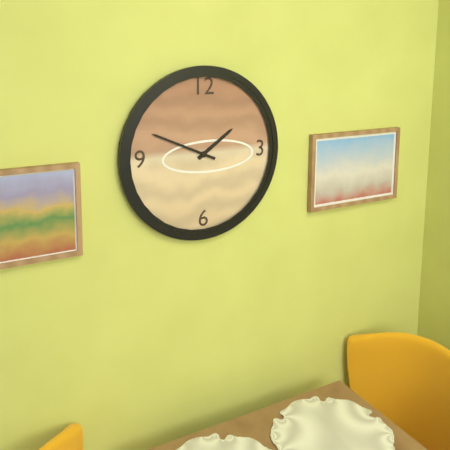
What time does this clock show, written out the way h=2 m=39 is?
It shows h=1 m=49
